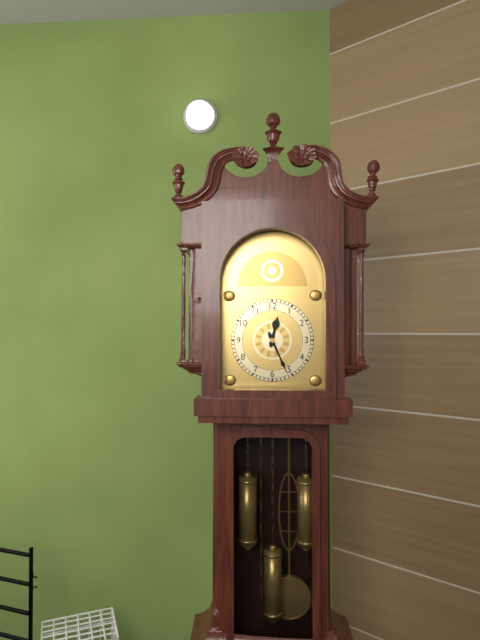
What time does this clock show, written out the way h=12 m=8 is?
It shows h=12 m=26
